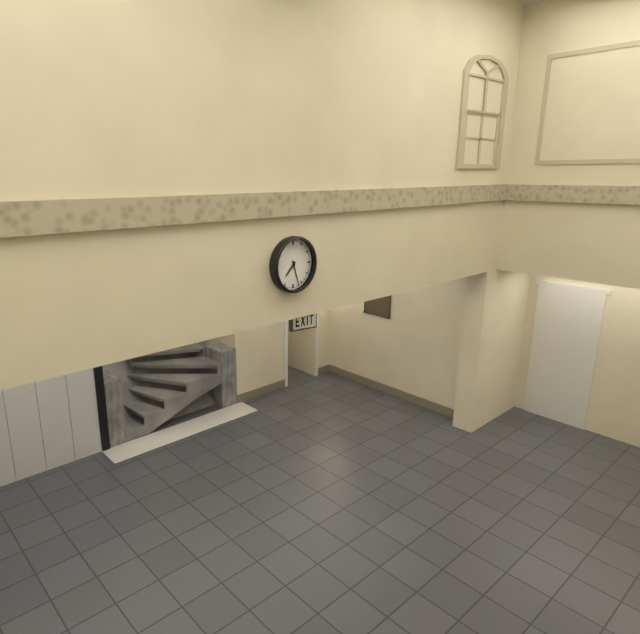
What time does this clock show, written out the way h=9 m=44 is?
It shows h=7 m=27
